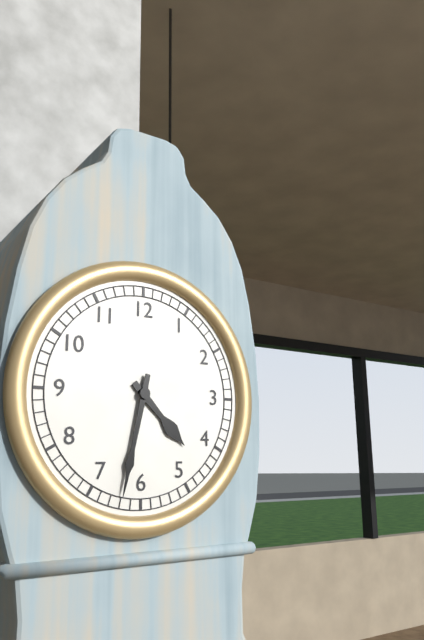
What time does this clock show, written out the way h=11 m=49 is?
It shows h=4 m=32
